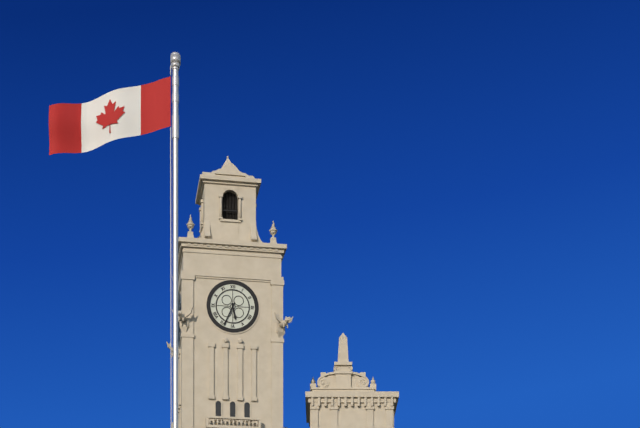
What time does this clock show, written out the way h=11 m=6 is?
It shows h=5 m=34
